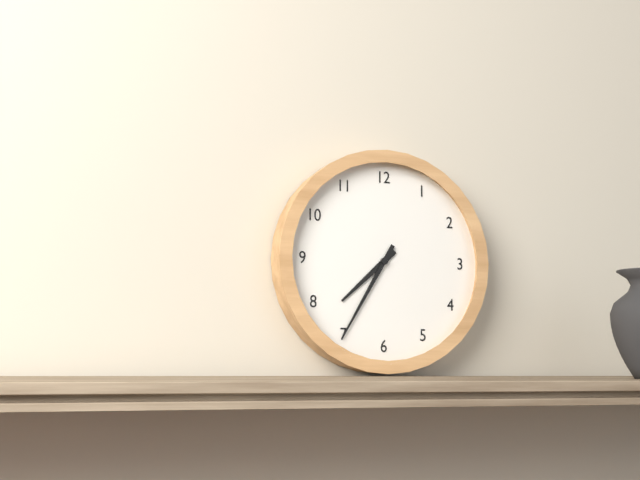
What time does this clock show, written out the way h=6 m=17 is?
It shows h=7 m=35
